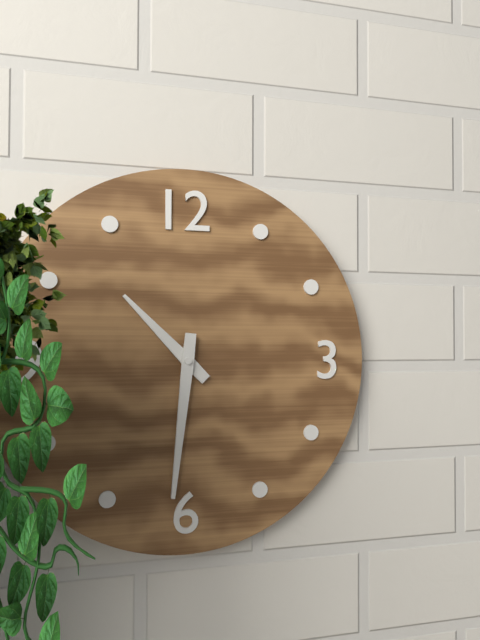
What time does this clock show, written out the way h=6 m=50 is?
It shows h=10 m=31
